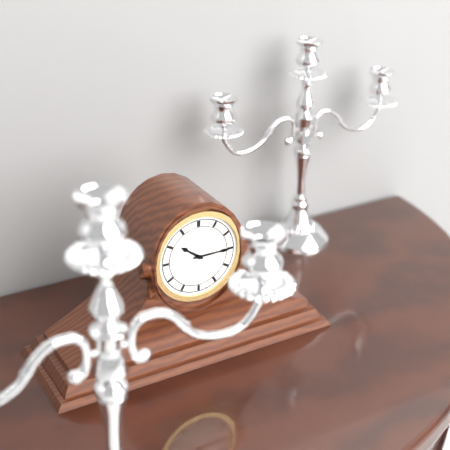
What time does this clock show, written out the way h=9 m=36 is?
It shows h=10 m=15
